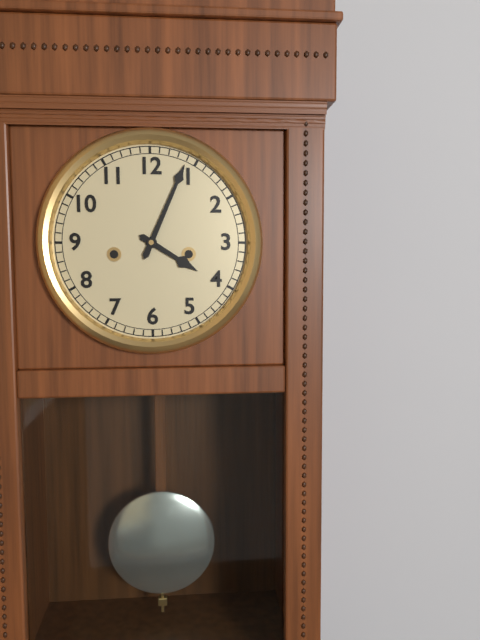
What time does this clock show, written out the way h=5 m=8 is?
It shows h=4 m=4
